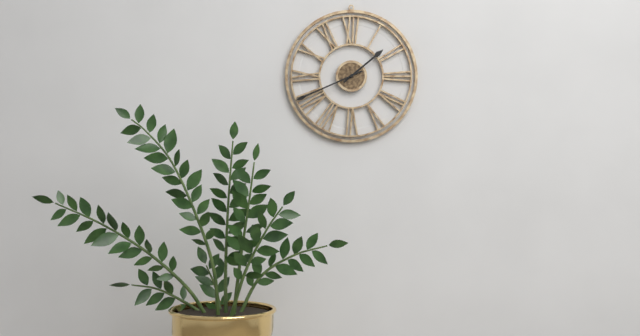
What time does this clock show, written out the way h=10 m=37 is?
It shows h=1 m=41
